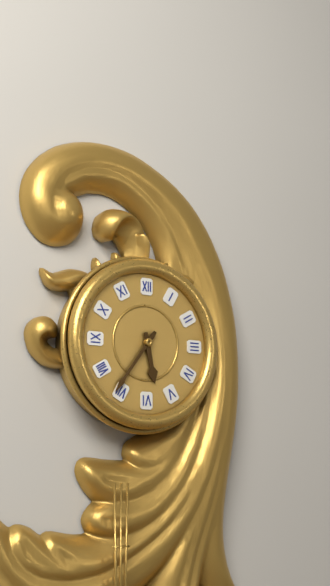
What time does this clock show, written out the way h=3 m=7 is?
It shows h=5 m=36
